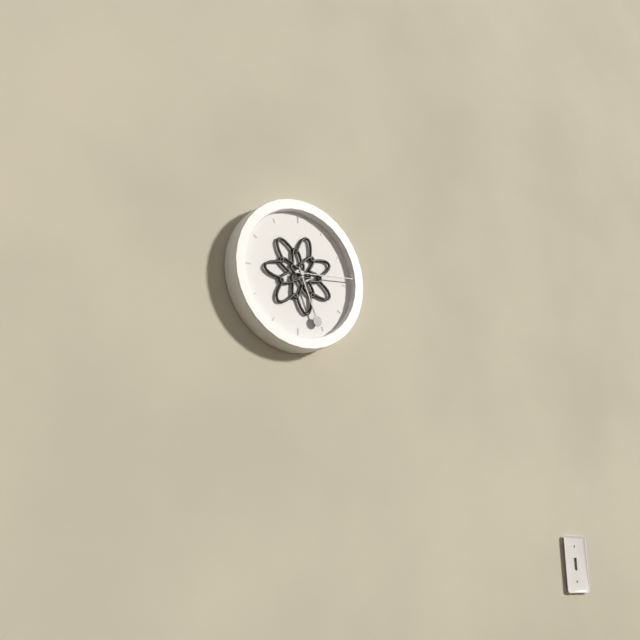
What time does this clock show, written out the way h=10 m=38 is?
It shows h=5 m=14
